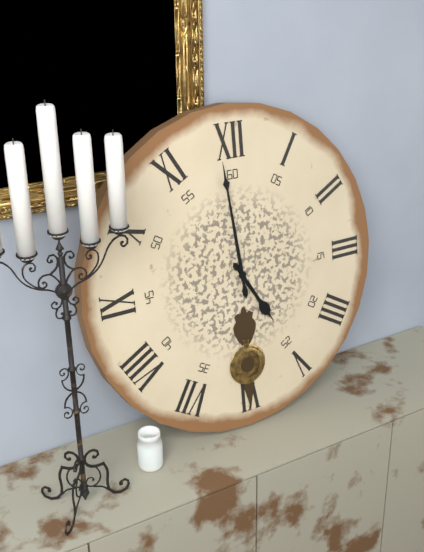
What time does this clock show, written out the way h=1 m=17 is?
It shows h=4 m=59
